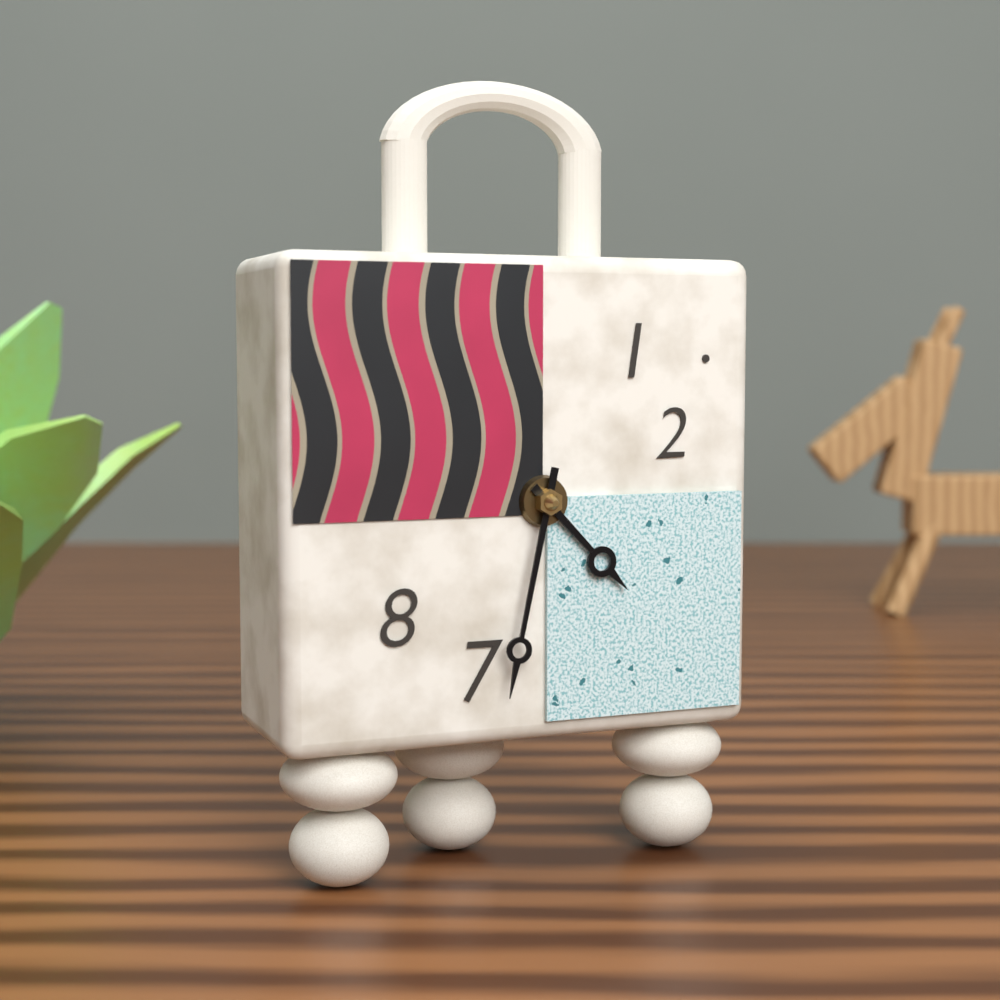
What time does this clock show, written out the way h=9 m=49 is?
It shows h=4 m=32
